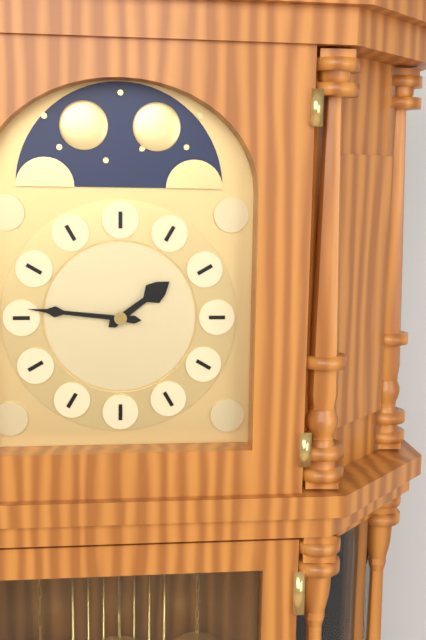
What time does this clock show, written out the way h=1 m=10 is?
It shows h=1 m=46
